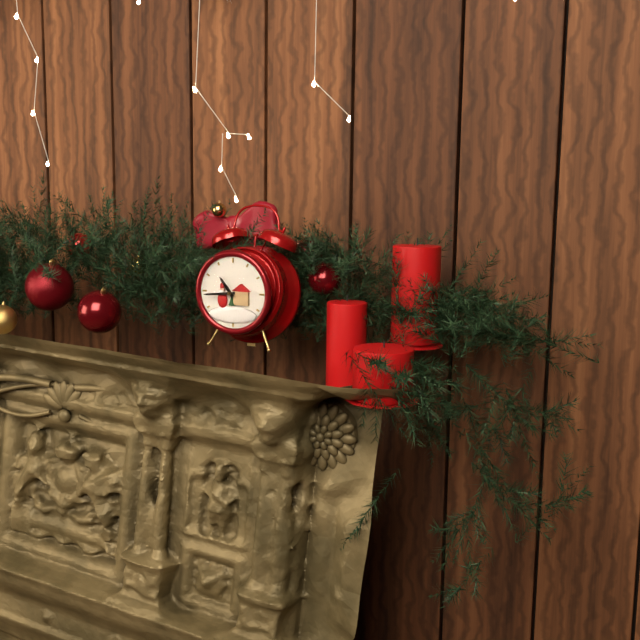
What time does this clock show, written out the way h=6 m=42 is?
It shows h=10 m=44
